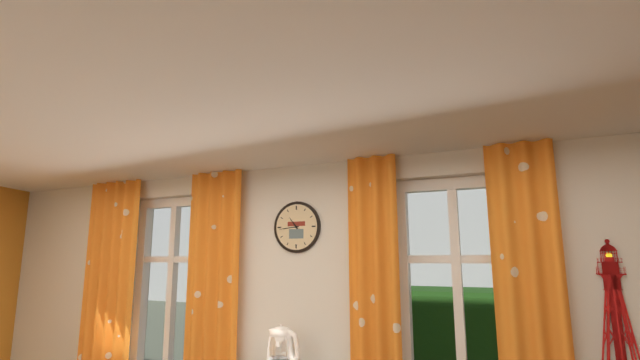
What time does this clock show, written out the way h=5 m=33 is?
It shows h=10 m=44
